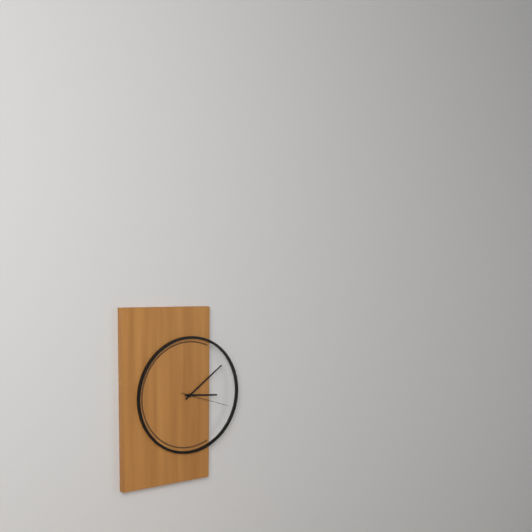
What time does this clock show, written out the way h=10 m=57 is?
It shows h=3 m=9
